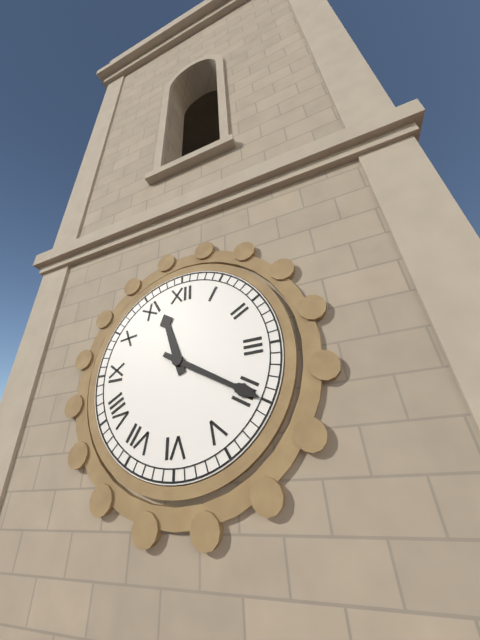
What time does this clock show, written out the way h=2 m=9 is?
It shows h=11 m=20
